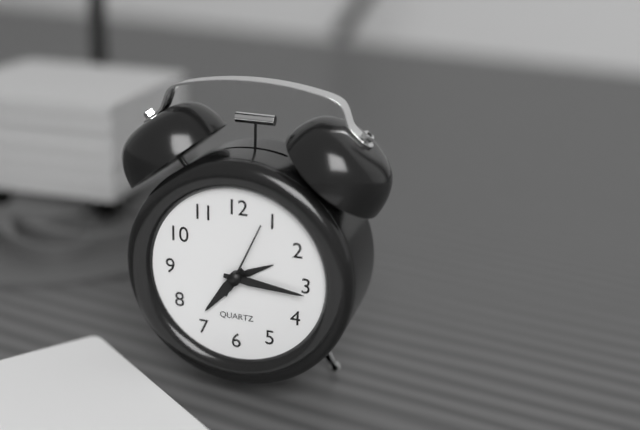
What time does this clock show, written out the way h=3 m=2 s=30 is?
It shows h=7 m=16 s=4
